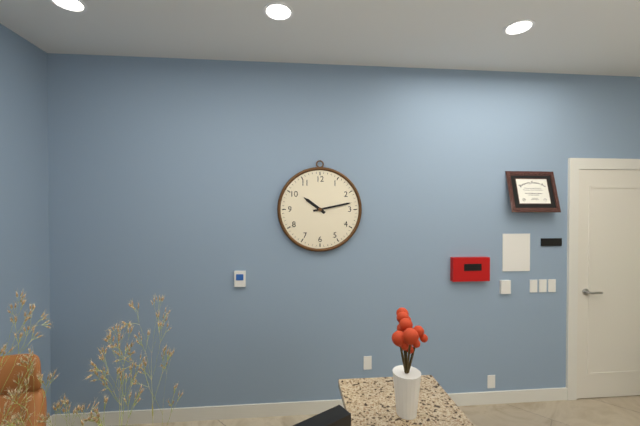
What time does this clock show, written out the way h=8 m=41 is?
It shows h=10 m=13
